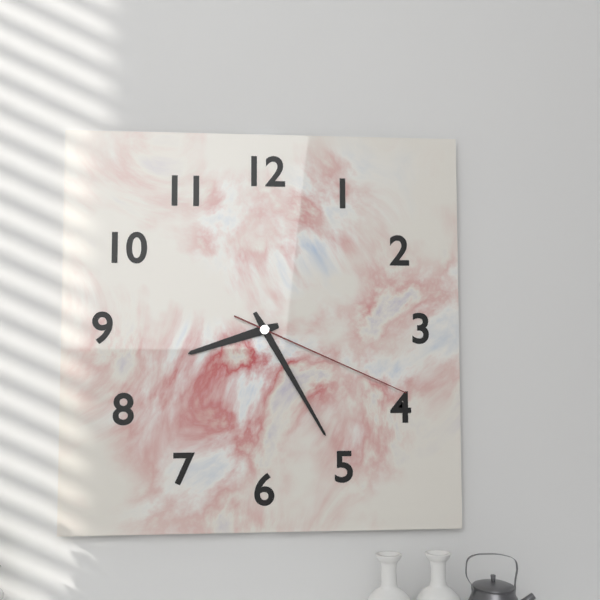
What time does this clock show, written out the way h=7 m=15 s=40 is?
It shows h=8 m=25 s=19
